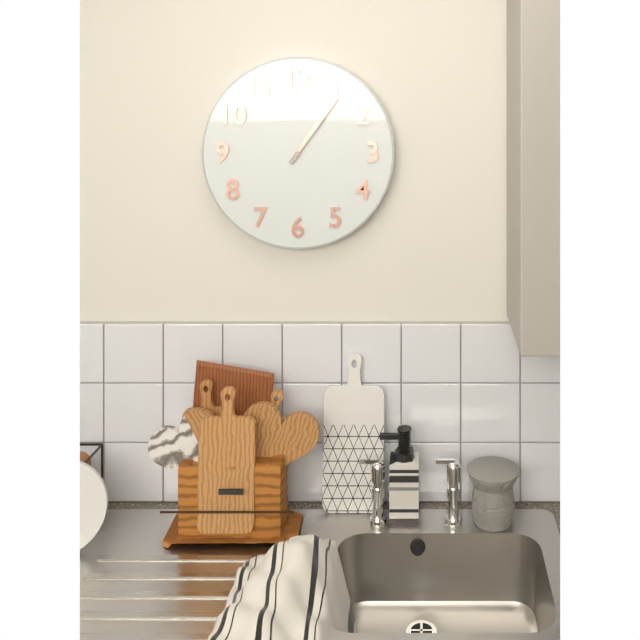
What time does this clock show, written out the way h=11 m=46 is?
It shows h=1 m=6
